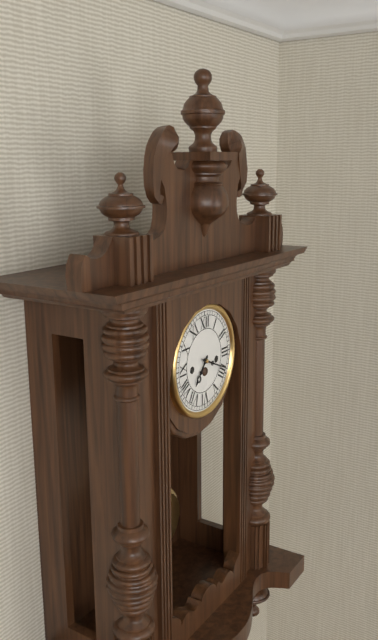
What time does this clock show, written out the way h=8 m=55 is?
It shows h=7 m=19
